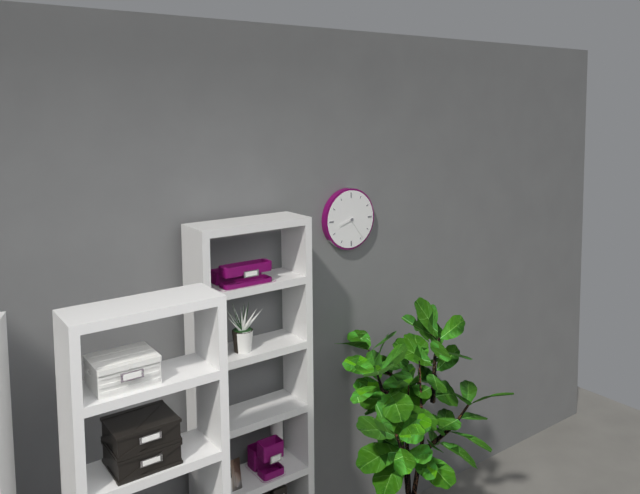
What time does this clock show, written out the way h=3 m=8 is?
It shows h=8 m=24
